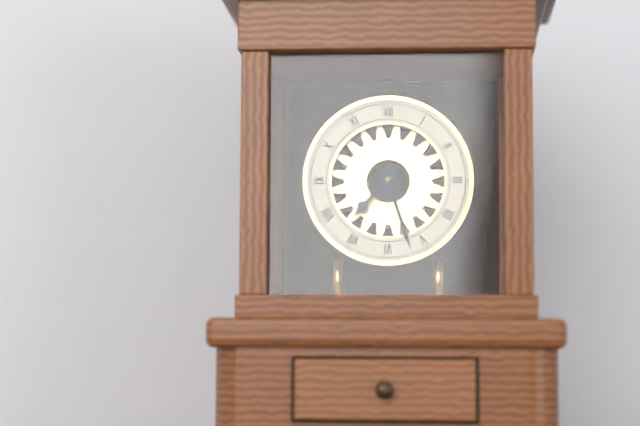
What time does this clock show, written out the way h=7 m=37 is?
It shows h=7 m=27
